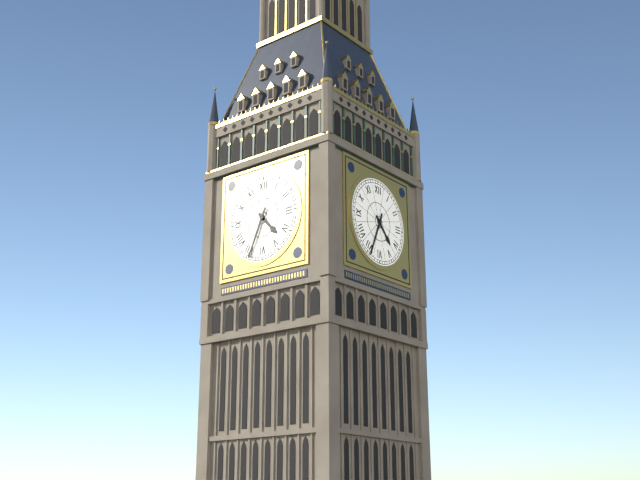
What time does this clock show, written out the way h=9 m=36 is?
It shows h=4 m=34
